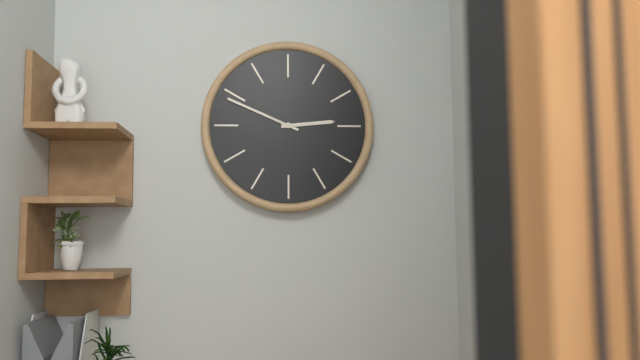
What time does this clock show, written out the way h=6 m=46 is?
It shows h=2 m=49
